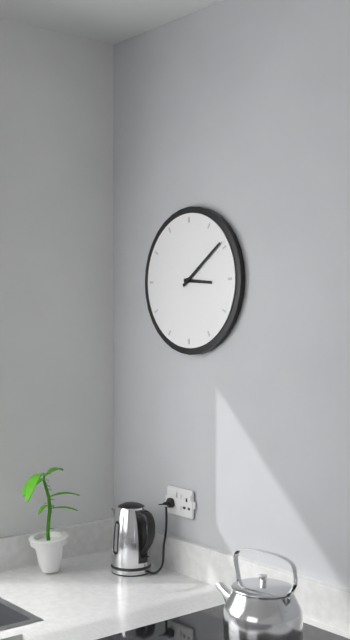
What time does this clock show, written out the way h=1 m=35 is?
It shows h=3 m=9
